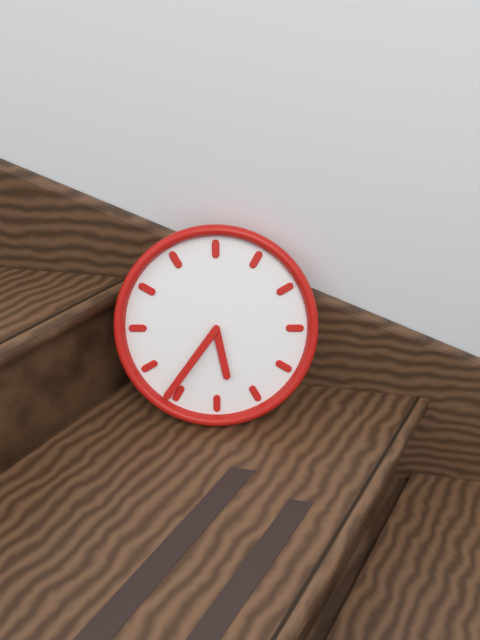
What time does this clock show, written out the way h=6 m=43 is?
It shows h=5 m=36
